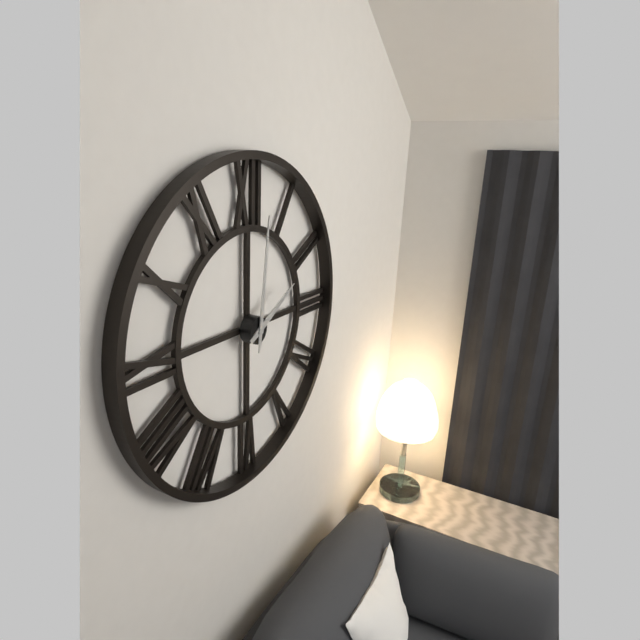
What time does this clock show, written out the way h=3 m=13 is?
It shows h=2 m=1
